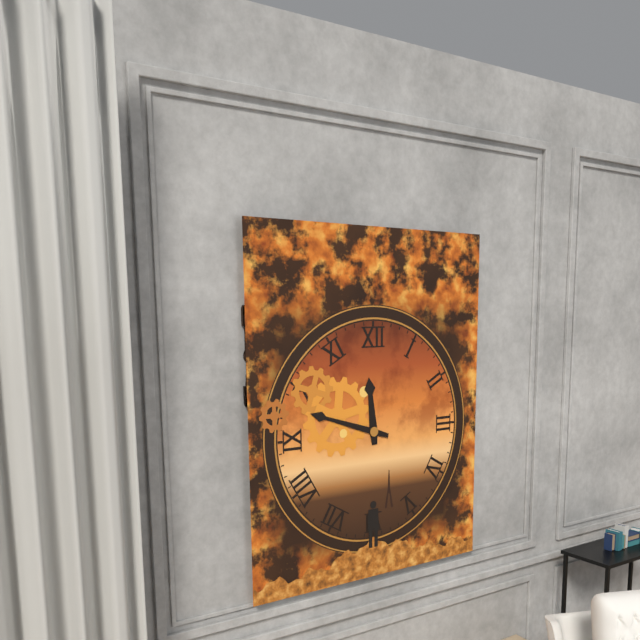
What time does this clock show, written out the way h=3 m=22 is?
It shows h=11 m=48
